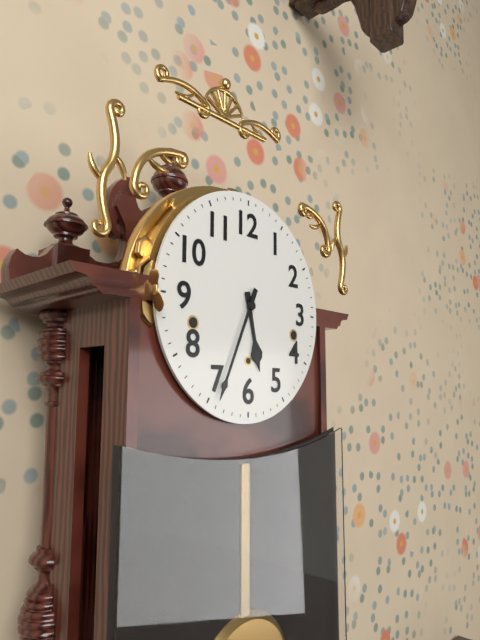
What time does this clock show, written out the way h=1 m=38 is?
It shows h=5 m=34
